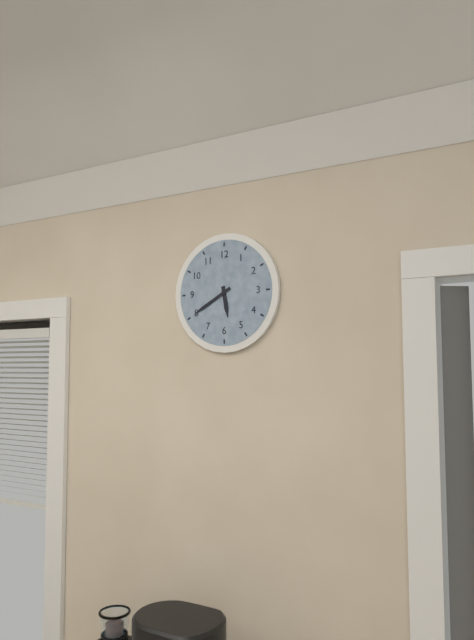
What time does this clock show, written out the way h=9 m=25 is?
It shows h=5 m=40
